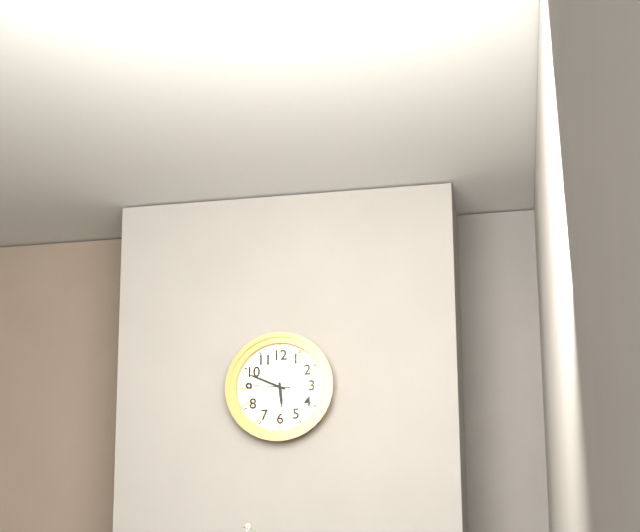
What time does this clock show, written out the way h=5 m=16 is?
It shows h=5 m=49
